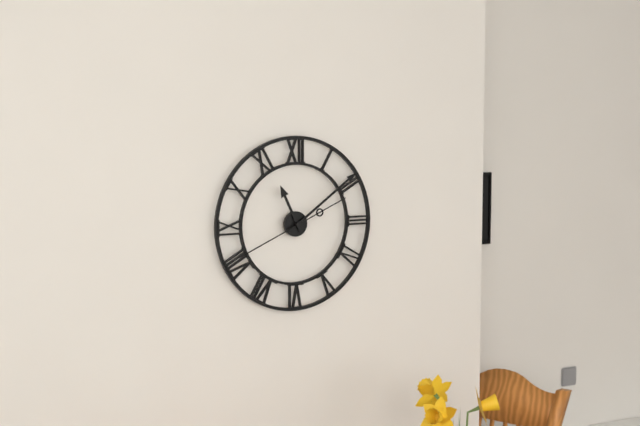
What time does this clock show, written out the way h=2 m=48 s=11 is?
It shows h=11 m=9 s=41
